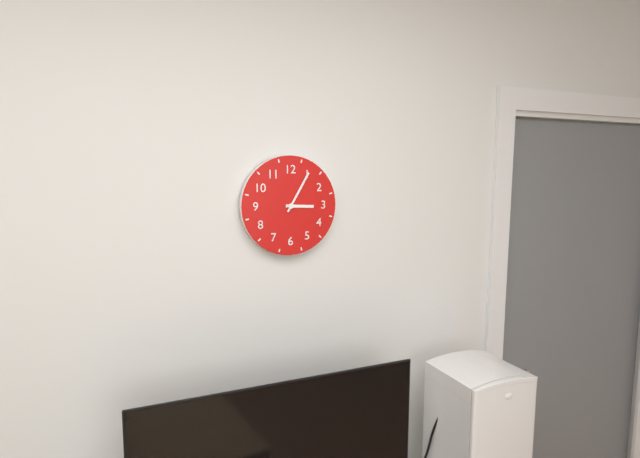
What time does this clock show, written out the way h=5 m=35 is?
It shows h=3 m=5
